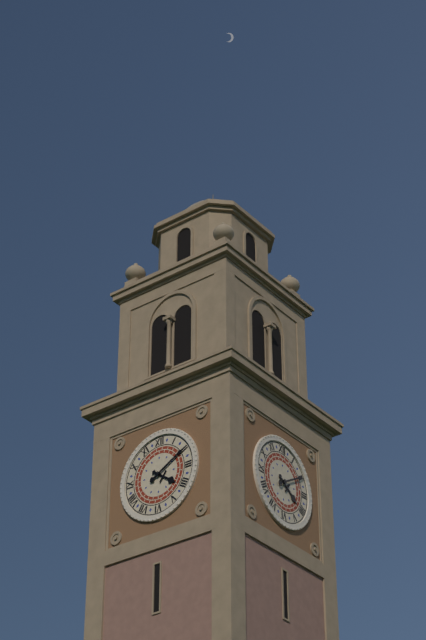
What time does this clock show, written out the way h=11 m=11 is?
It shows h=4 m=10
